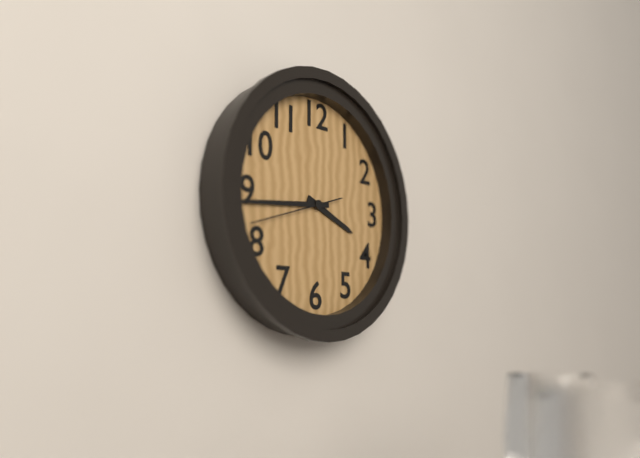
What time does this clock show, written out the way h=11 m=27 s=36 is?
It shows h=3 m=44 s=42
